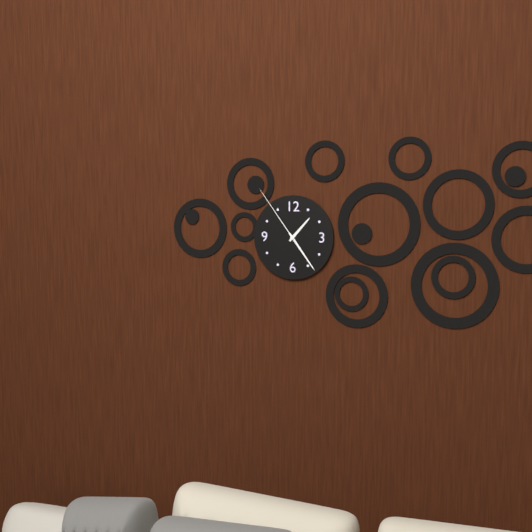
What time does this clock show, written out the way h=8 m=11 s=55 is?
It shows h=1 m=24 s=54
